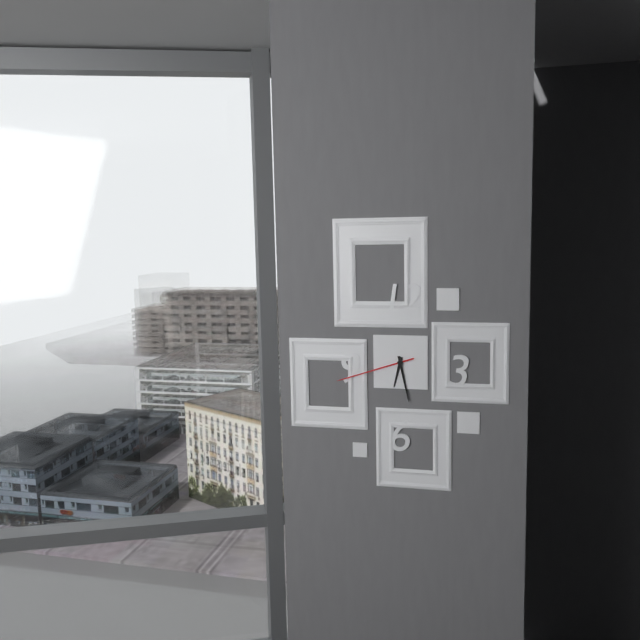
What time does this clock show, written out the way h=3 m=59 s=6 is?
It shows h=6 m=28 s=42
